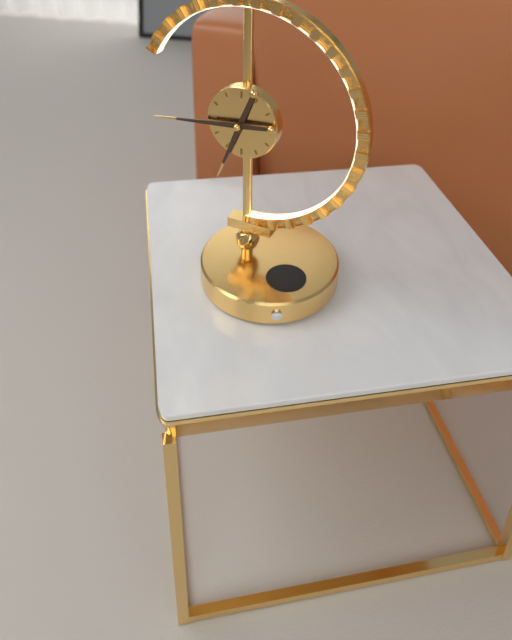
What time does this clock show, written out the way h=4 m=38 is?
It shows h=6 m=44
